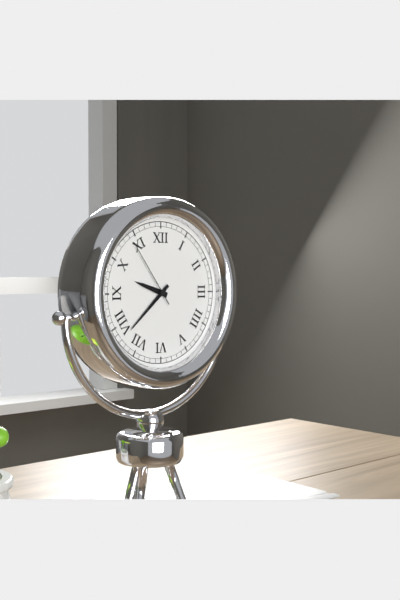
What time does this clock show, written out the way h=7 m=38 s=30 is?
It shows h=9 m=38 s=54
